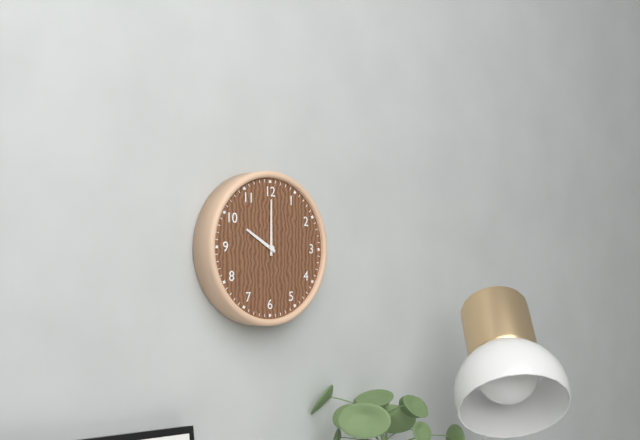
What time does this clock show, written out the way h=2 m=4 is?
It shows h=10 m=0
